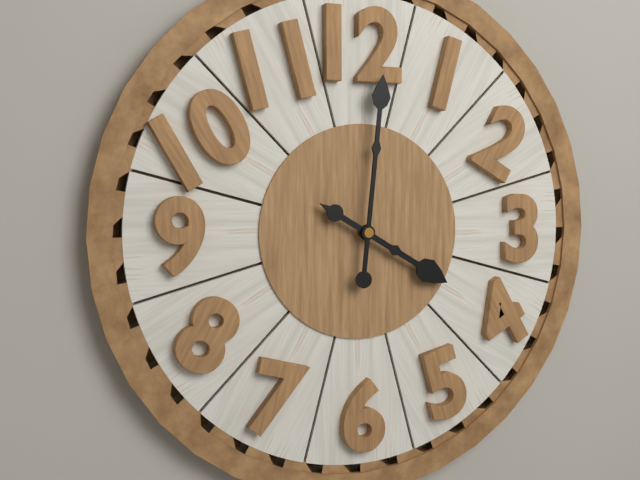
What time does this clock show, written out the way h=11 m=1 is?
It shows h=4 m=1
